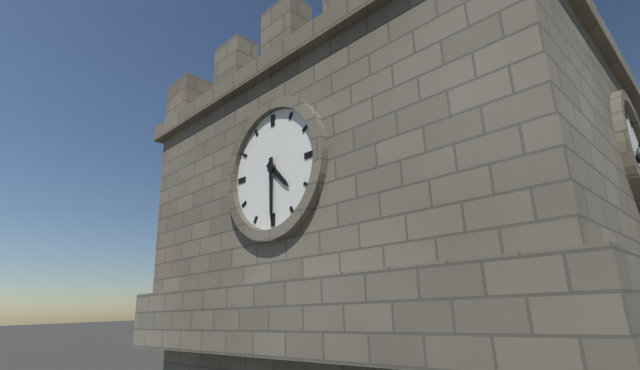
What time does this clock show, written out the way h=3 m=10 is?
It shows h=4 m=30
